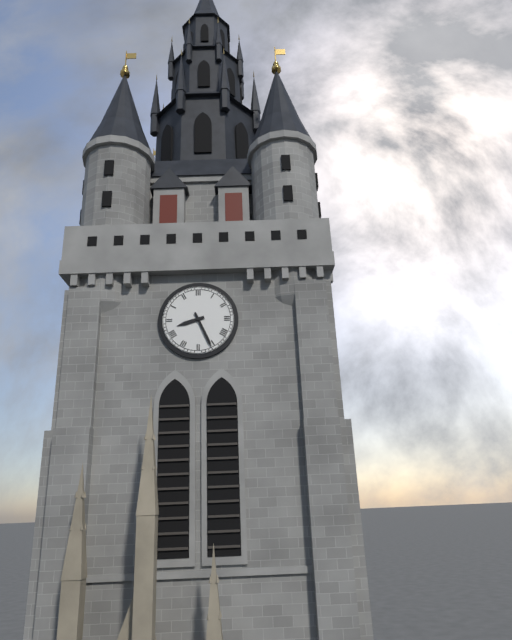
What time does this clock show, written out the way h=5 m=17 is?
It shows h=8 m=26
